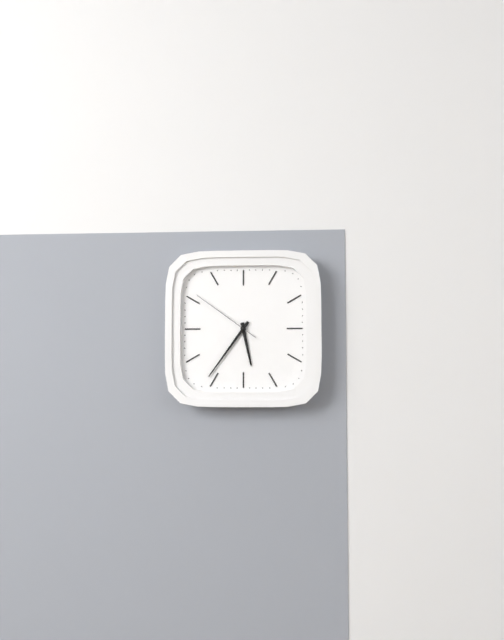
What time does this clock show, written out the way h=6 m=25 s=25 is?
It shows h=5 m=36 s=51
